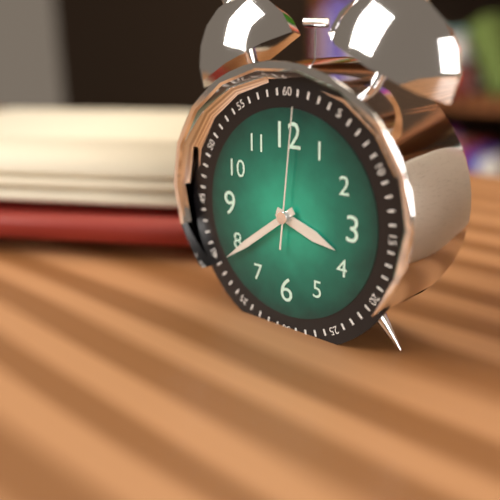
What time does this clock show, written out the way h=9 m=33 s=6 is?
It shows h=3 m=39 s=1
